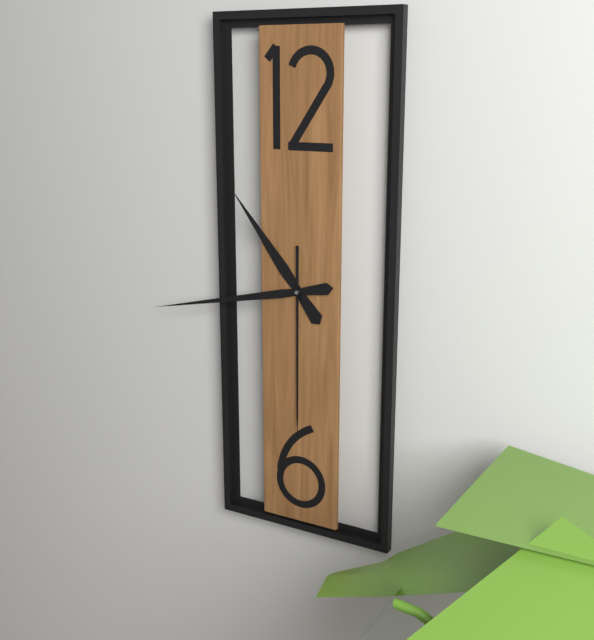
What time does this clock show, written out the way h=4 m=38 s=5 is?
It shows h=10 m=43 s=30
